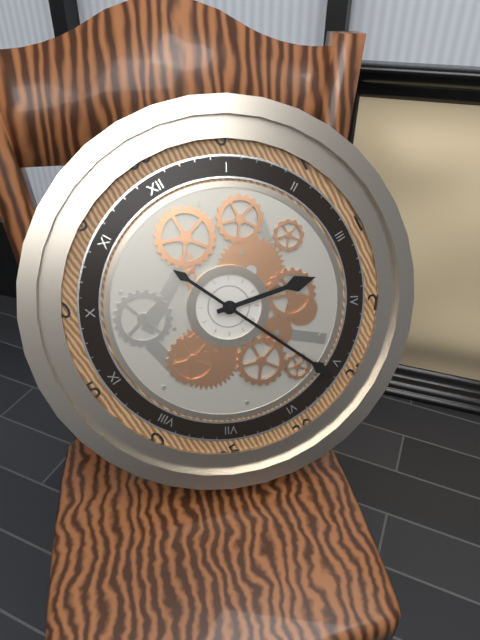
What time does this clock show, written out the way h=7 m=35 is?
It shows h=3 m=26
